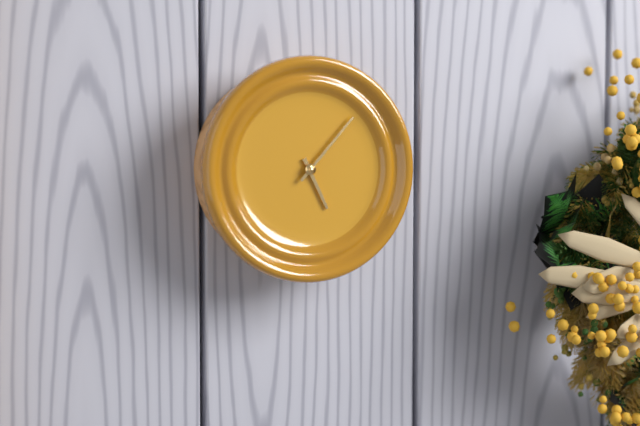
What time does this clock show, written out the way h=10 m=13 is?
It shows h=5 m=7
